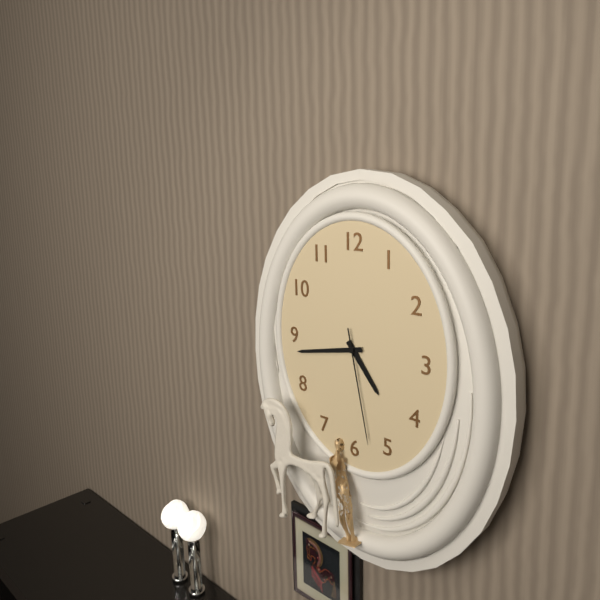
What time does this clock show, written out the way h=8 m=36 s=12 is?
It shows h=4 m=43 s=28
